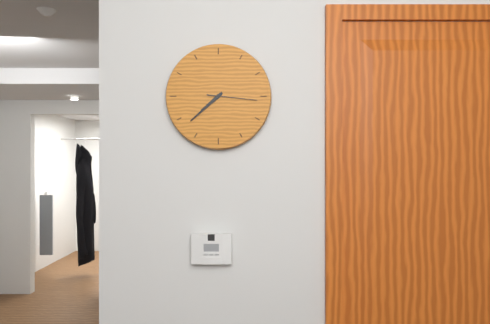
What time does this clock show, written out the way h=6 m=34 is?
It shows h=7 m=38
